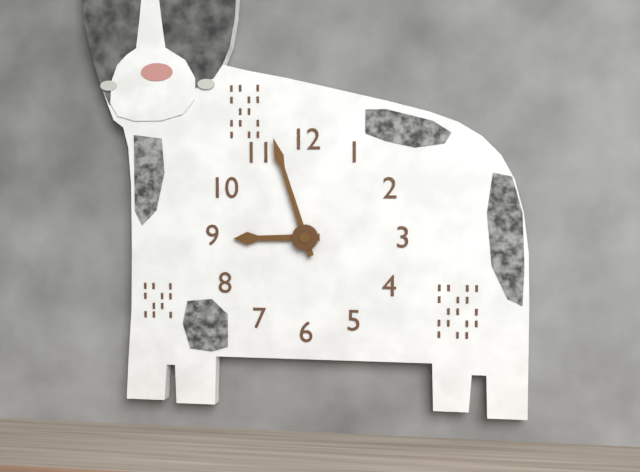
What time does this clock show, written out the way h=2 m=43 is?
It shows h=8 m=57
